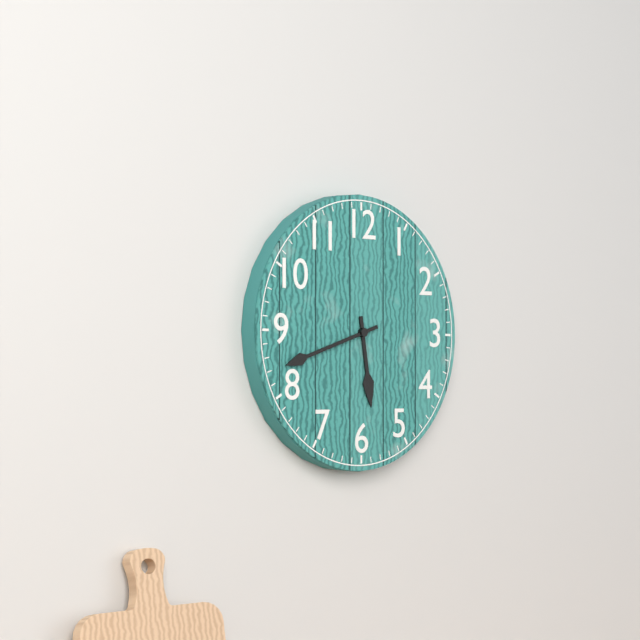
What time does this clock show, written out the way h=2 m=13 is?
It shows h=5 m=42
